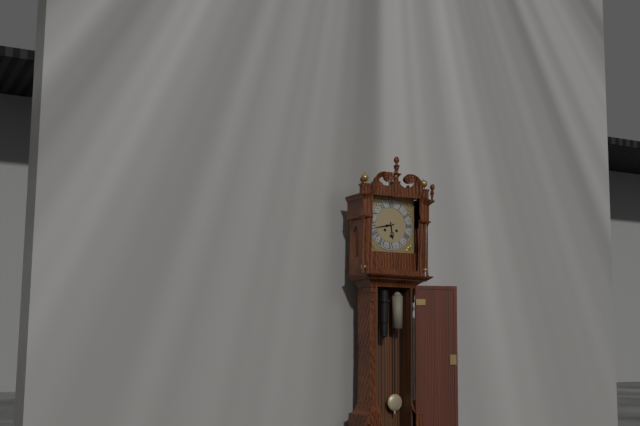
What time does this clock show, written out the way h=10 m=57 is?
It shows h=5 m=43
